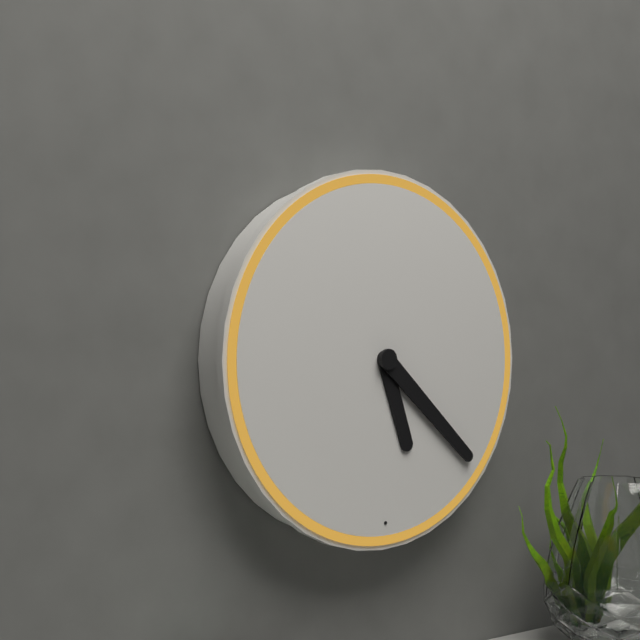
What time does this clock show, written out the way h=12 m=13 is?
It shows h=5 m=22
